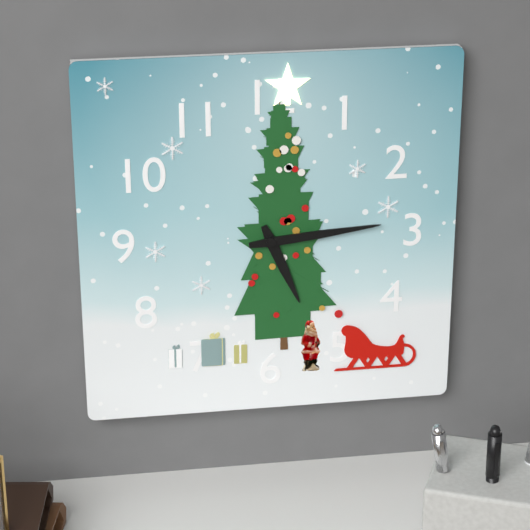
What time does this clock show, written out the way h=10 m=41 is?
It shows h=5 m=14
